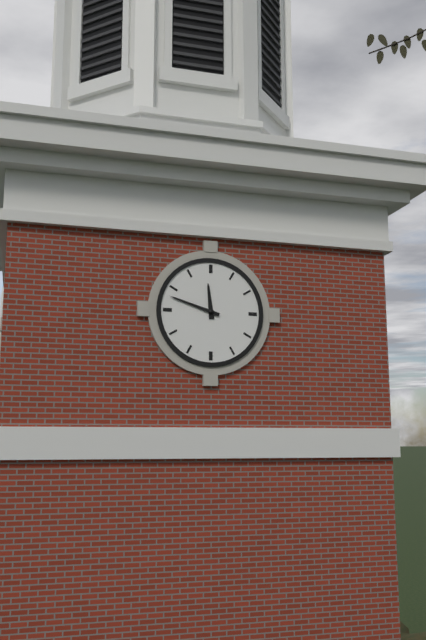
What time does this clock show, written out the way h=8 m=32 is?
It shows h=11 m=48
